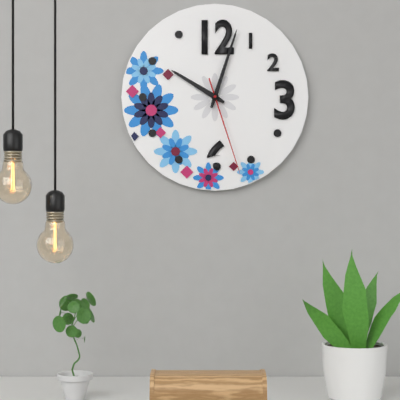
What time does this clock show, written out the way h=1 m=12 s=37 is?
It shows h=10 m=3 s=27
